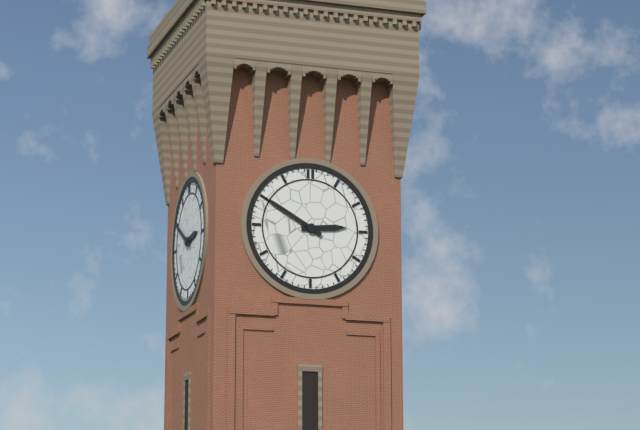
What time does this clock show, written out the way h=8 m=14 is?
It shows h=2 m=50
